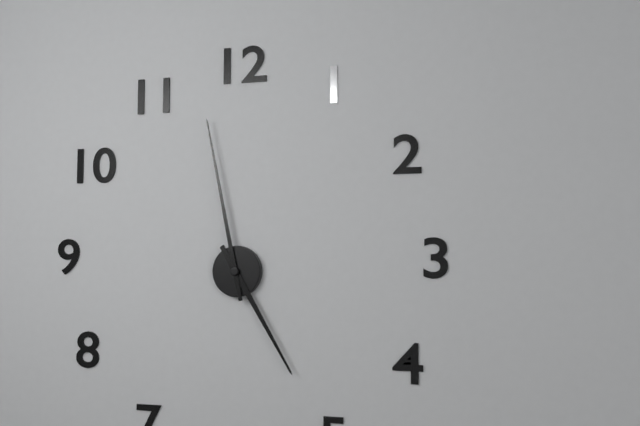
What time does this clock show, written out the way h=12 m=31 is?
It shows h=4 m=58
